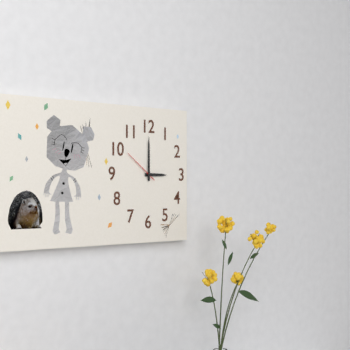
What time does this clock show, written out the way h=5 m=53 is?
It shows h=3 m=0
